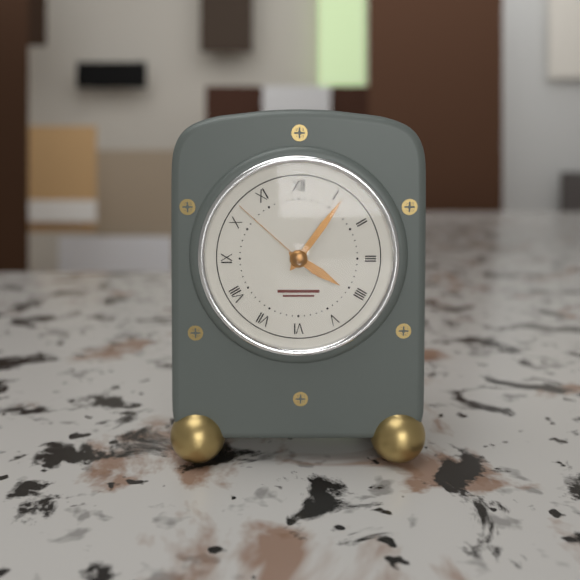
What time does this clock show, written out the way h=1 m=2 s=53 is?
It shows h=4 m=6 s=52
